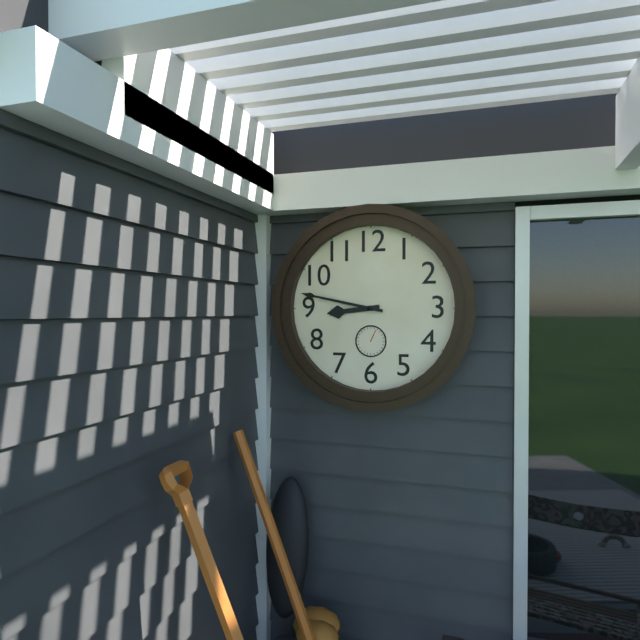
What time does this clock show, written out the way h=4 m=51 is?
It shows h=8 m=47
